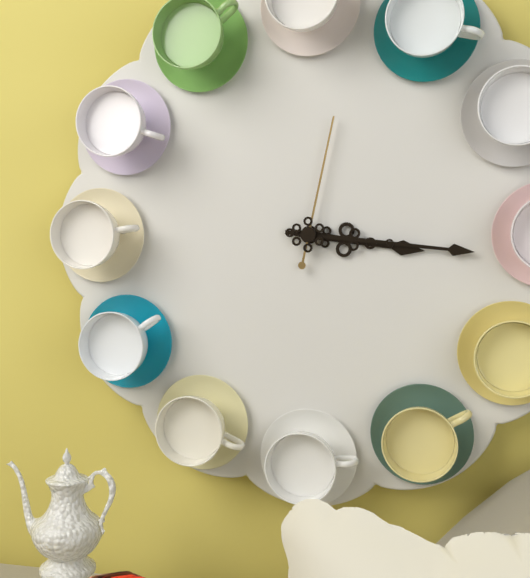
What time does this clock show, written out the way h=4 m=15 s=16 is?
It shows h=3 m=16 s=2
